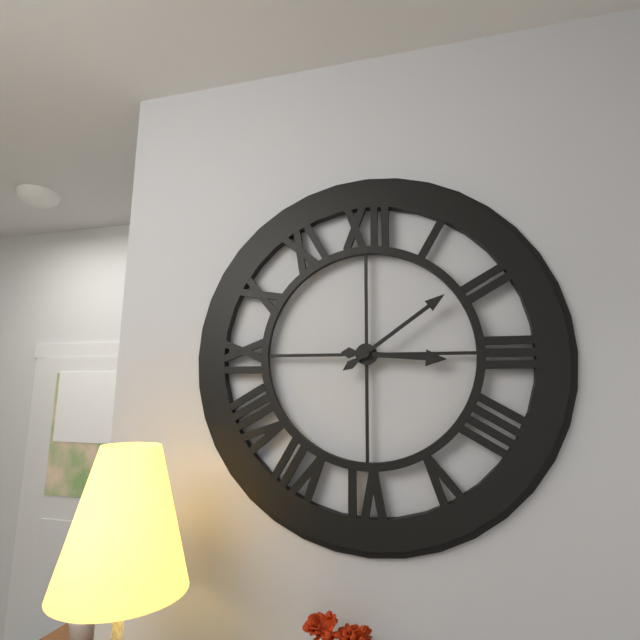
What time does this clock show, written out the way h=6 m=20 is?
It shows h=3 m=9
